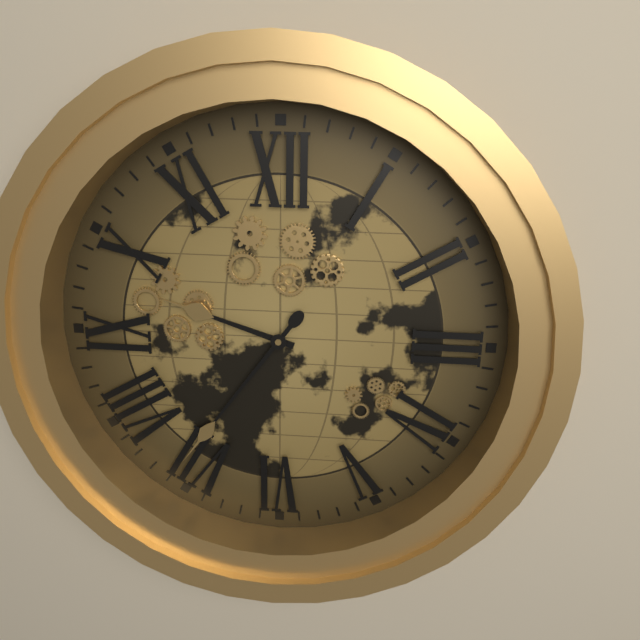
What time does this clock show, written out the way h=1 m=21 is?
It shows h=9 m=36
